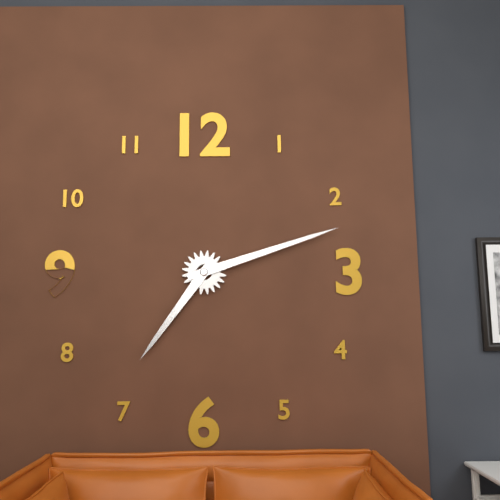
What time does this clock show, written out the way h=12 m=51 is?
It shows h=7 m=12
